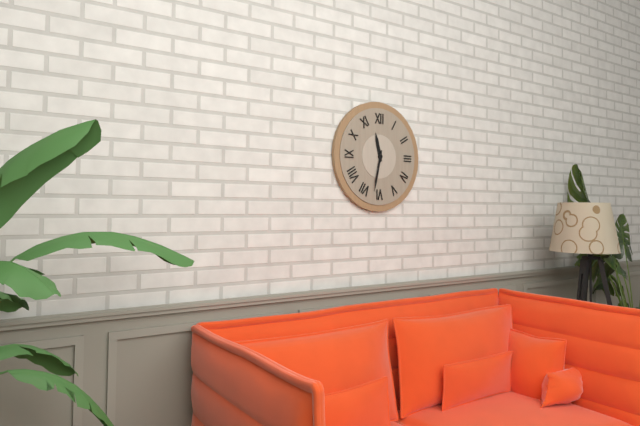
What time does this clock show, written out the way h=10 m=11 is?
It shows h=11 m=32
